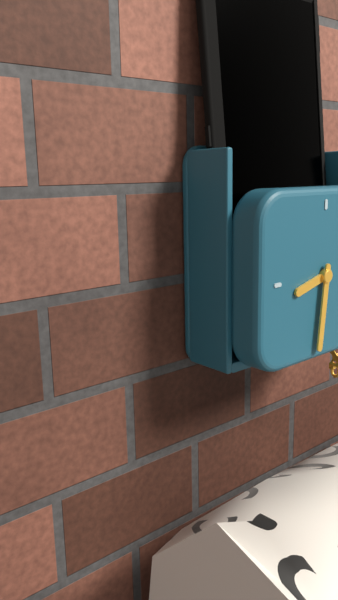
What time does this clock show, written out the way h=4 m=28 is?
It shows h=8 m=31
